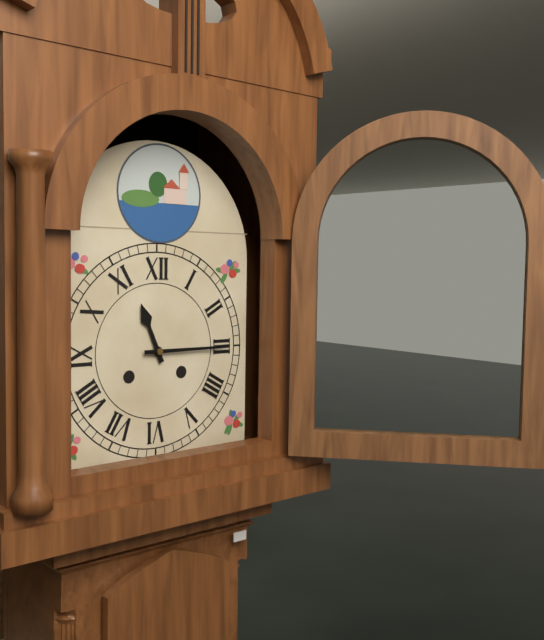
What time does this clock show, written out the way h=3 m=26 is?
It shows h=11 m=15
